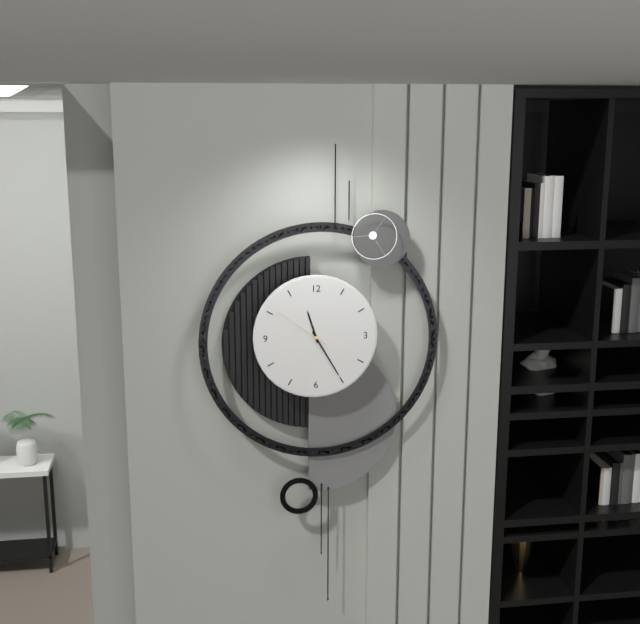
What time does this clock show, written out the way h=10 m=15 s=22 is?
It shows h=11 m=25 s=51
